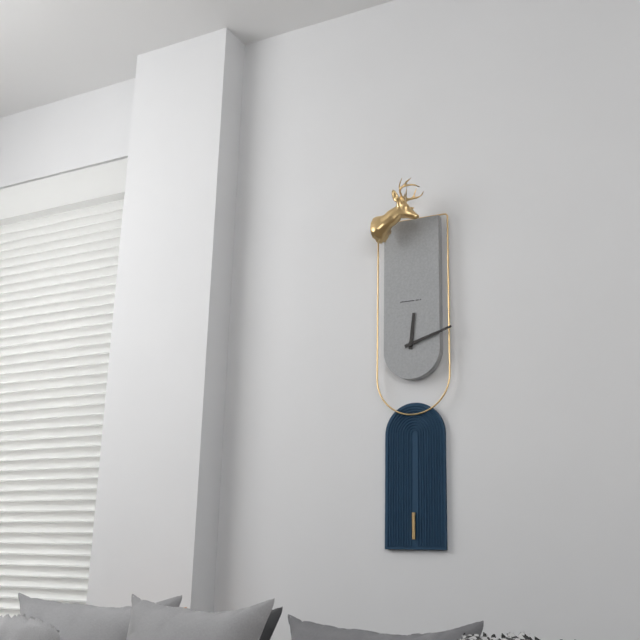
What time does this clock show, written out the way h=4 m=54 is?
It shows h=12 m=12
